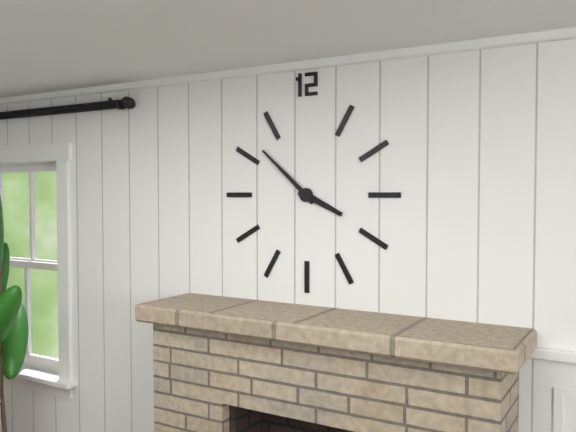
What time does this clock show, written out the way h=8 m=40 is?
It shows h=3 m=52
